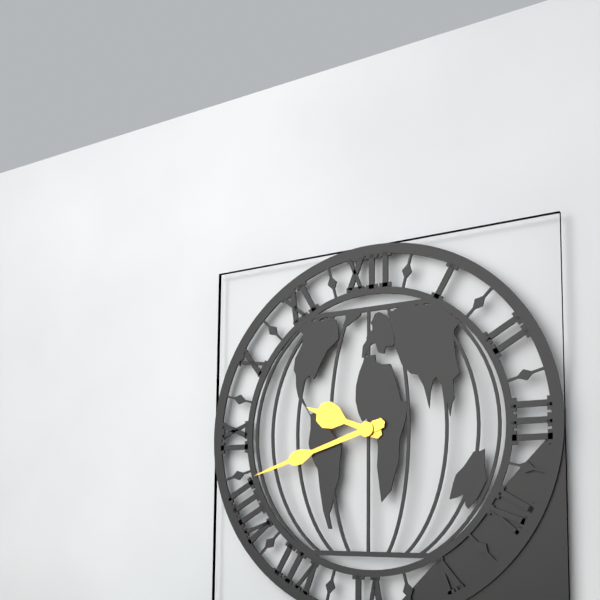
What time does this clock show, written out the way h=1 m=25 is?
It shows h=9 m=42
